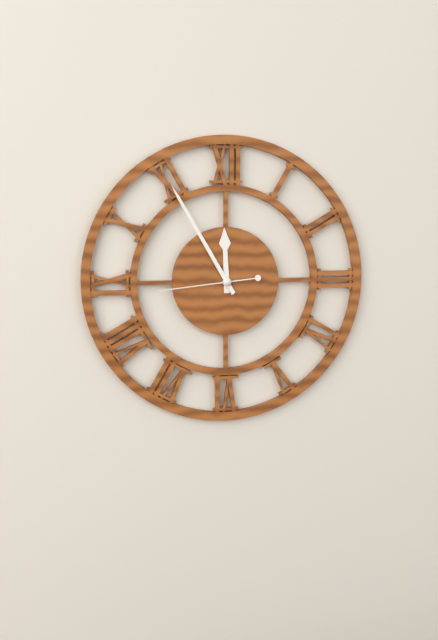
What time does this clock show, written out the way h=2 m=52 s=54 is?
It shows h=11 m=55 s=44
